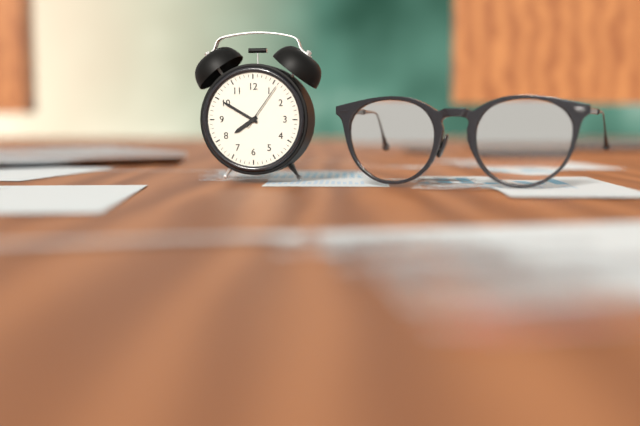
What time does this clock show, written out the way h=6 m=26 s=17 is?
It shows h=7 m=50 s=6
